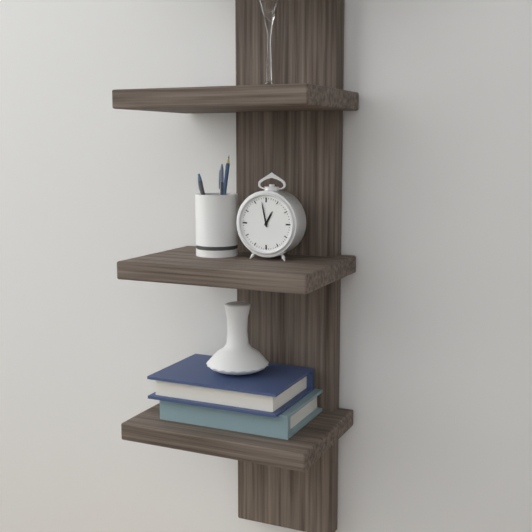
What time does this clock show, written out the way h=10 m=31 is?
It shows h=12 m=58
